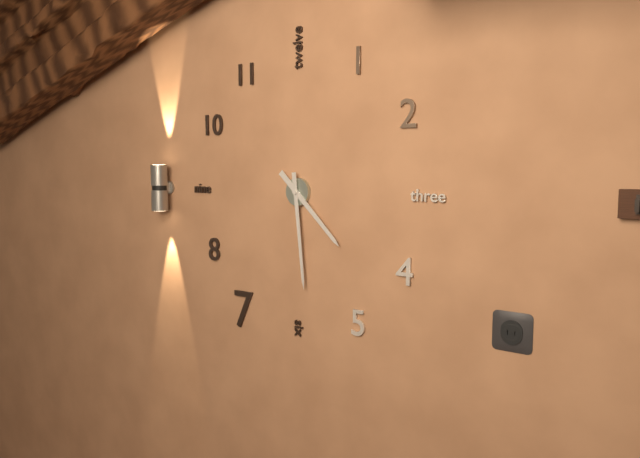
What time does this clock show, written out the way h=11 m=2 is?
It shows h=4 m=29
